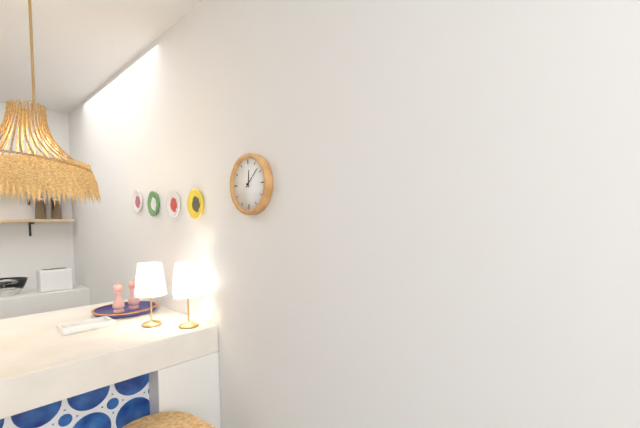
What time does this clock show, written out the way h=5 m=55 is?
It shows h=12 m=8
